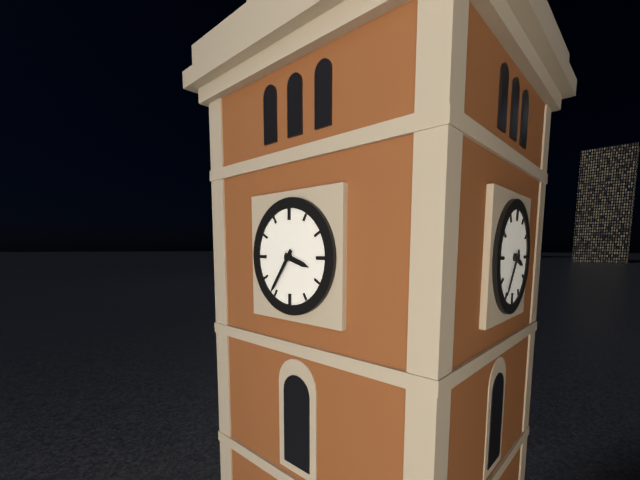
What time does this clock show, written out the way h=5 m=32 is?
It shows h=3 m=36
